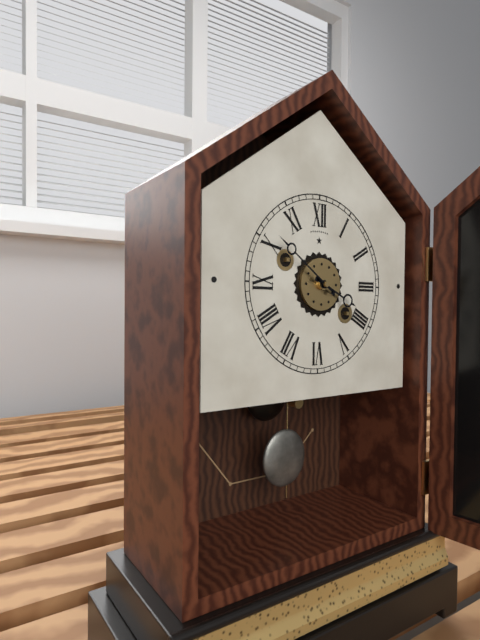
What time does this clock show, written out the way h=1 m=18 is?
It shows h=3 m=51
